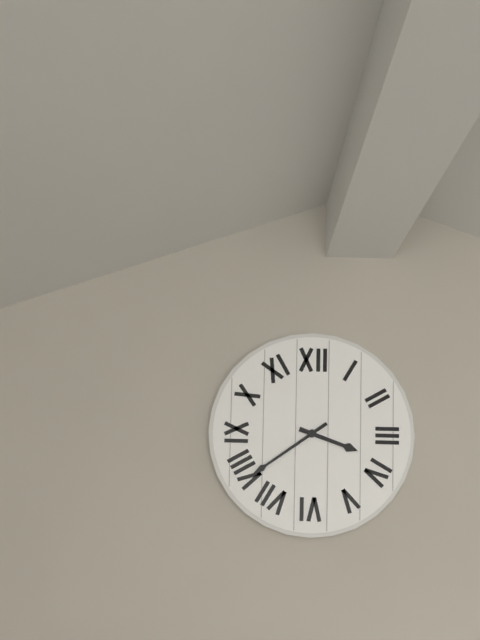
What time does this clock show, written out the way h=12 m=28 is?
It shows h=3 m=39
